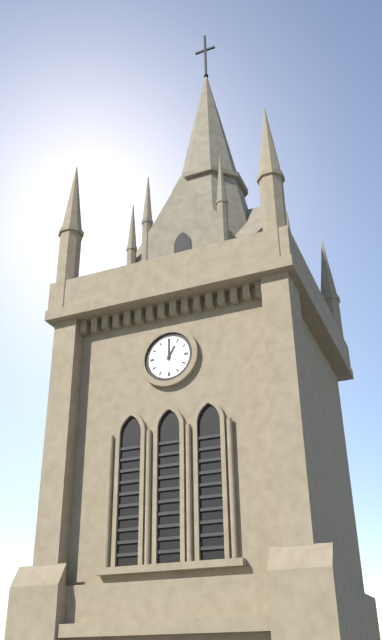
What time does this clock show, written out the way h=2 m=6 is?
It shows h=1 m=0
